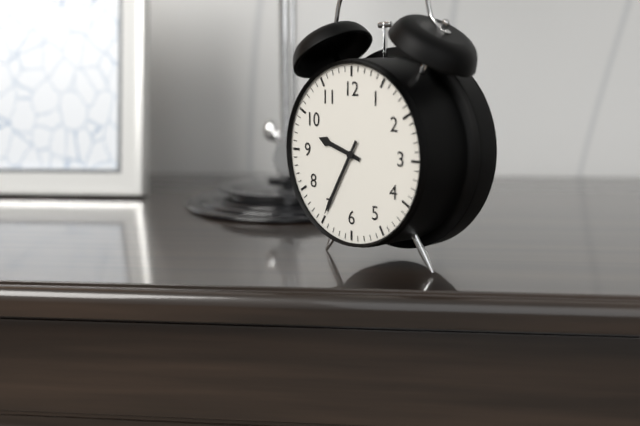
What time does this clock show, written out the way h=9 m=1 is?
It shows h=9 m=35
